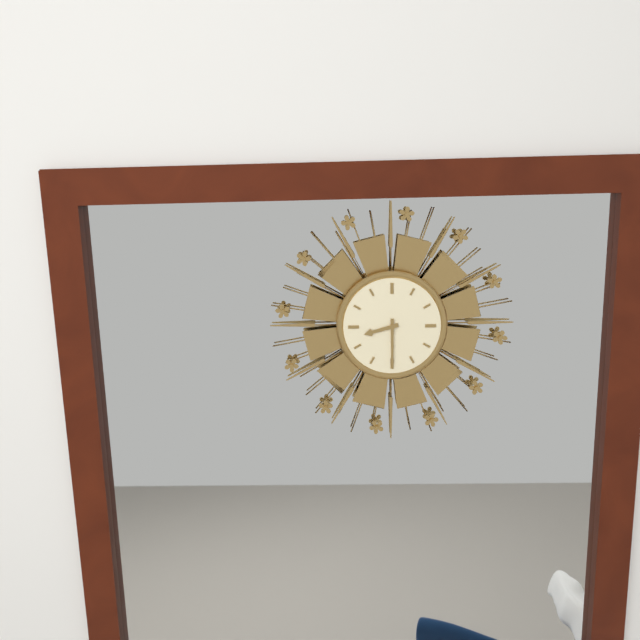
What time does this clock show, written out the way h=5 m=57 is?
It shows h=8 m=30
